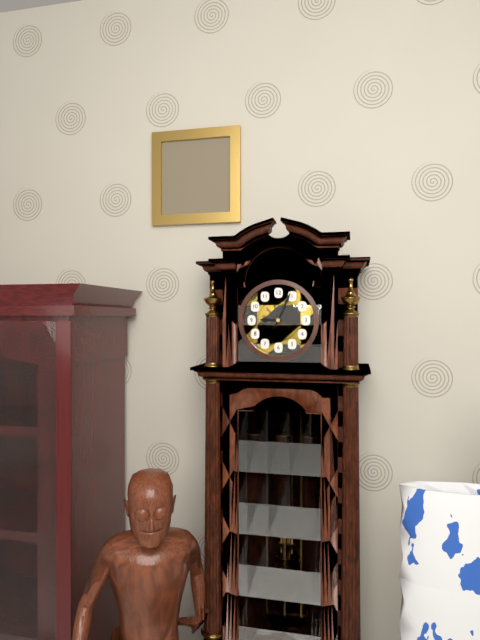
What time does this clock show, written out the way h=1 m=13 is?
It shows h=9 m=4
